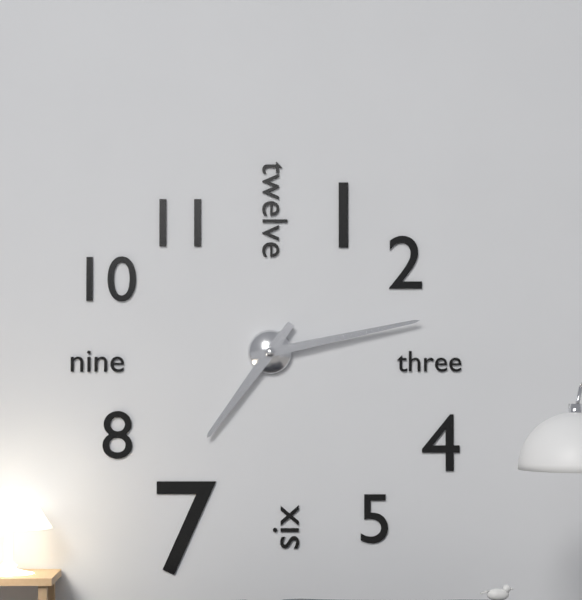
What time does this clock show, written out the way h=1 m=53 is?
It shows h=7 m=13
